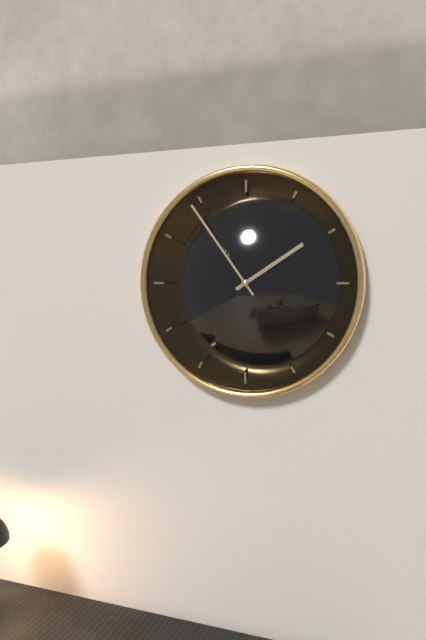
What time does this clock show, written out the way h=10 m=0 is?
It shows h=1 m=54
